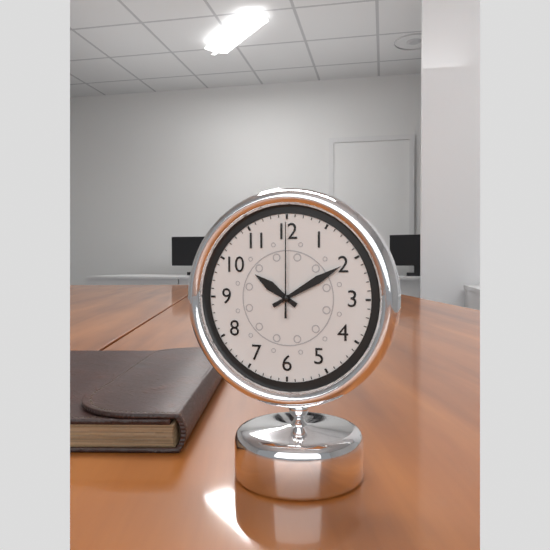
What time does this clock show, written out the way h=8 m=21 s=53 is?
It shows h=10 m=10 s=0
